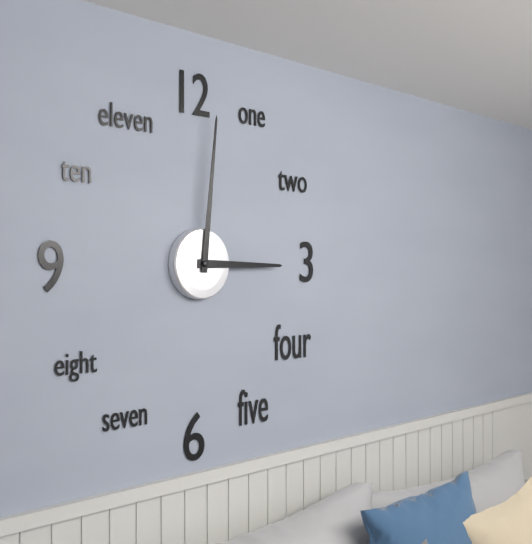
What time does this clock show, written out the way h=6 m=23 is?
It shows h=3 m=1
